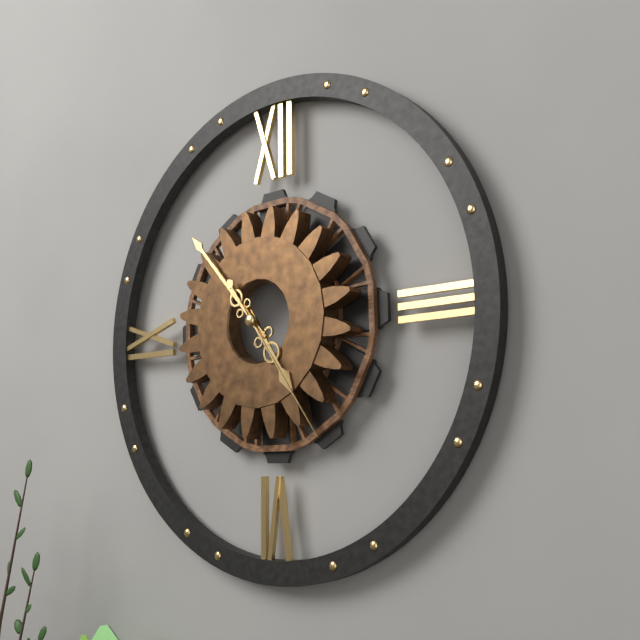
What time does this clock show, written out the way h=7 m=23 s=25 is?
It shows h=4 m=53 s=24
